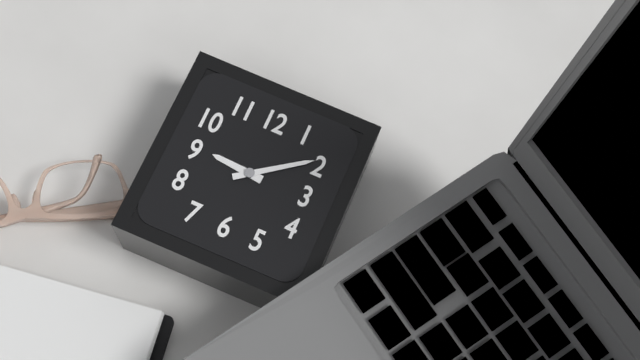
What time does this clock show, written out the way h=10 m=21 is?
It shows h=9 m=9
